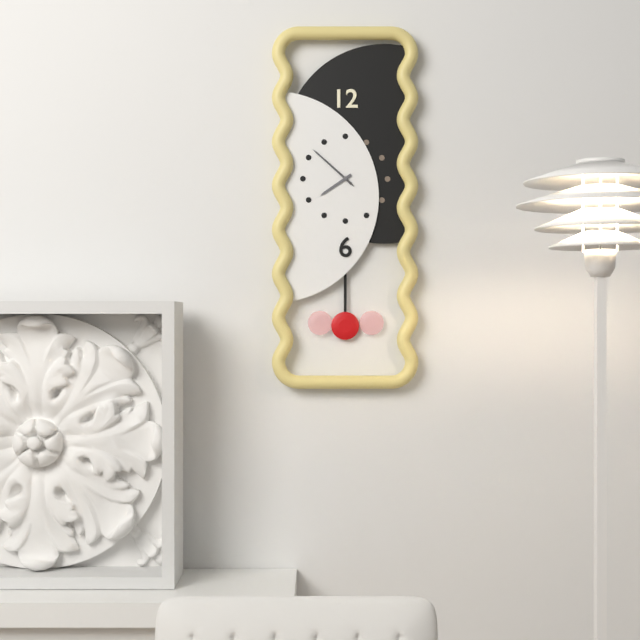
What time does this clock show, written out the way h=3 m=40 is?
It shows h=7 m=52
